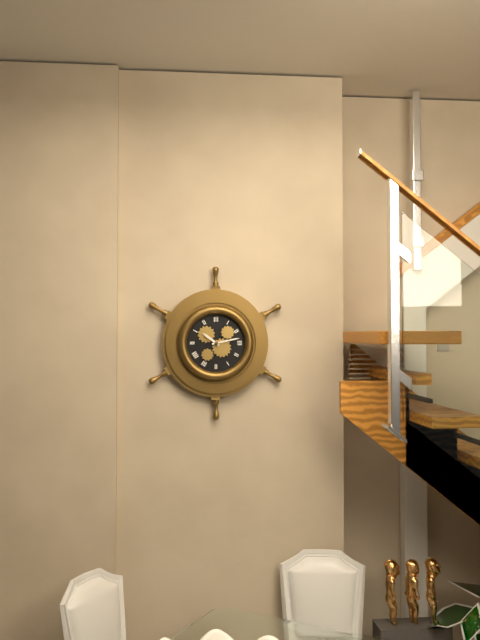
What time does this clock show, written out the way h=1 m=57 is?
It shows h=10 m=13
